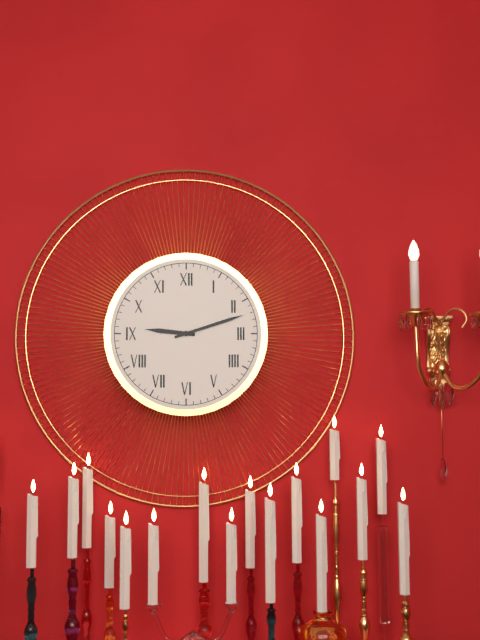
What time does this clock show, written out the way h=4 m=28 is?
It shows h=9 m=12
